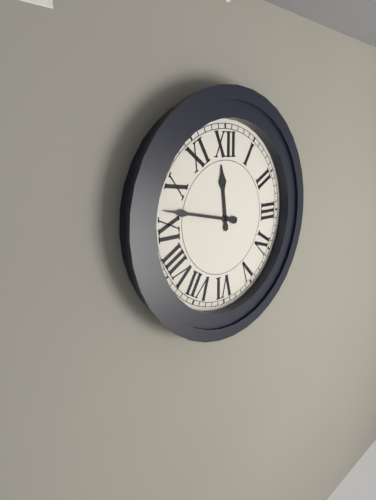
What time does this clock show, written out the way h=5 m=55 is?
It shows h=11 m=47
